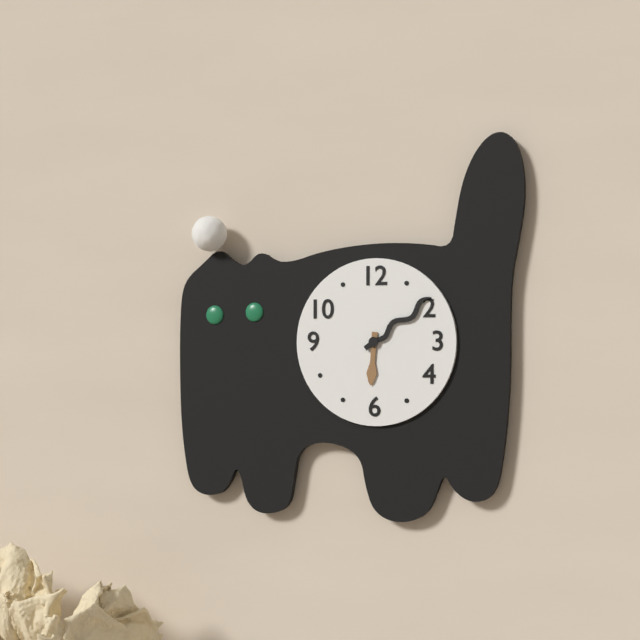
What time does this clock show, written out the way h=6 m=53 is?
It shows h=6 m=9
